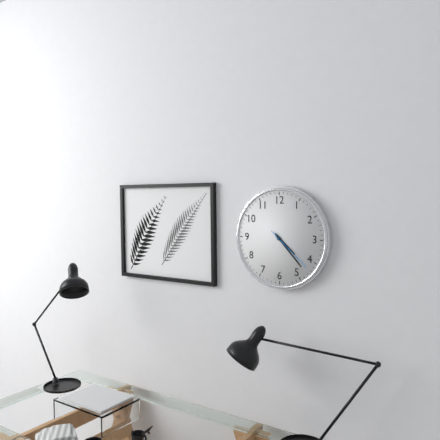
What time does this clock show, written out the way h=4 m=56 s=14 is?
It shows h=4 m=23 s=22
